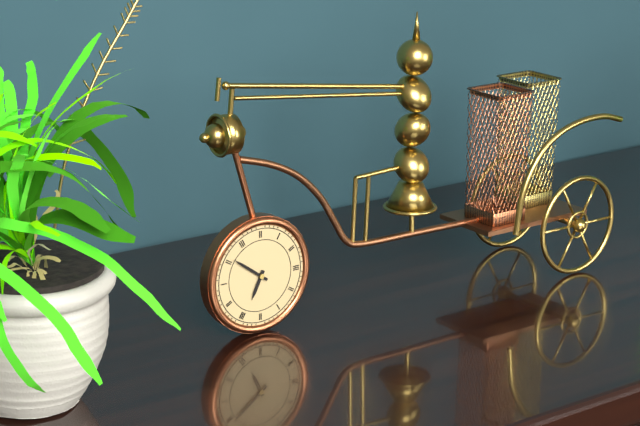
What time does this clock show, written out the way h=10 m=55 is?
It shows h=6 m=51
